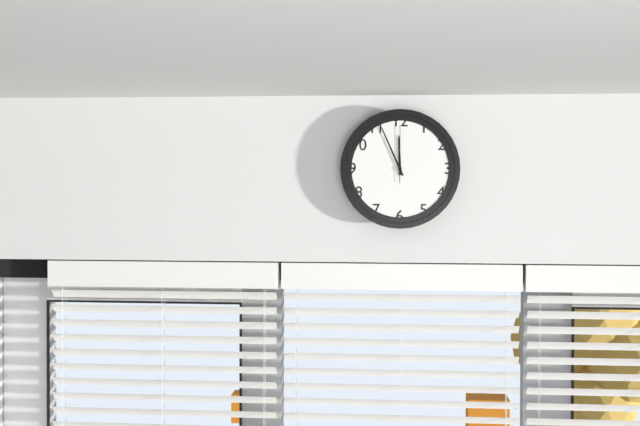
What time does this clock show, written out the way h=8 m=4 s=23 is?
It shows h=11 m=56 s=0
